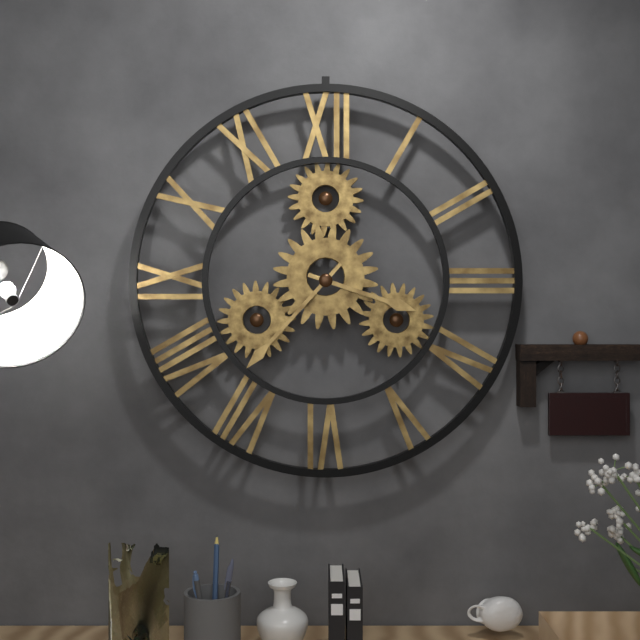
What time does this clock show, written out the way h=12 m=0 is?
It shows h=3 m=37
